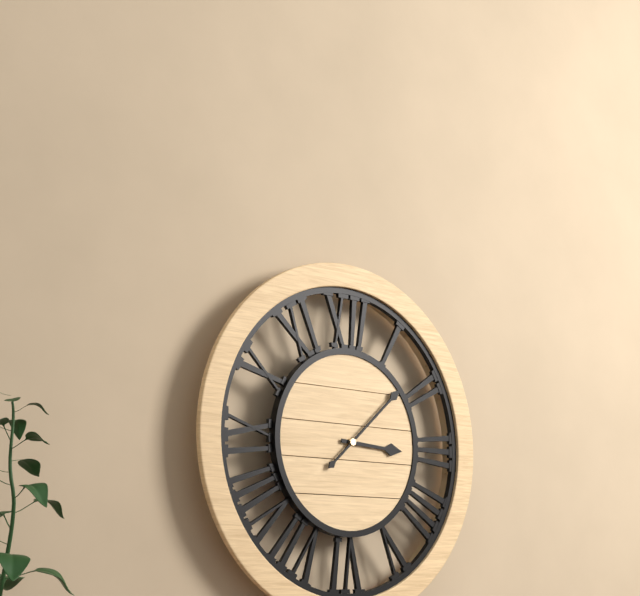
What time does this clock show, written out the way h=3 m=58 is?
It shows h=3 m=8
